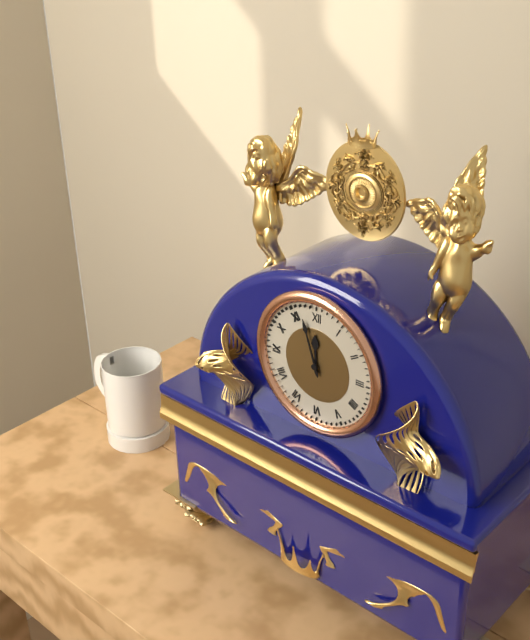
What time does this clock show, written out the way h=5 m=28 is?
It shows h=11 m=57
